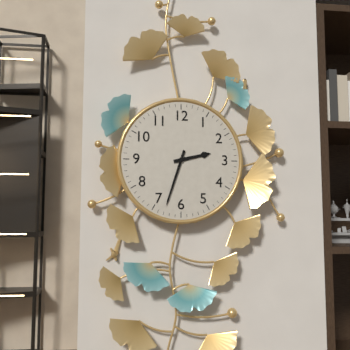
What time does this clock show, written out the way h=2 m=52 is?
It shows h=2 m=33
